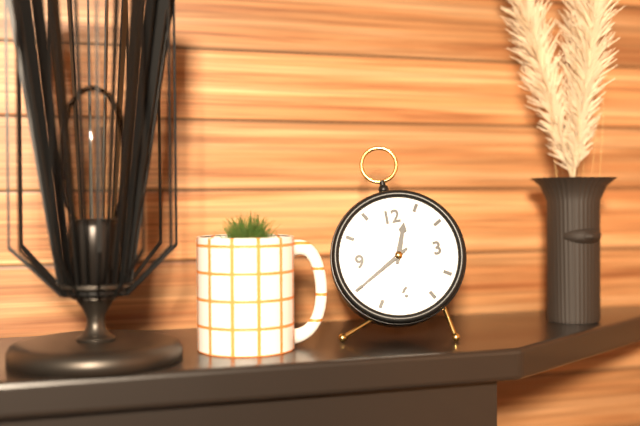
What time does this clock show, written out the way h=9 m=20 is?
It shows h=12 m=40
